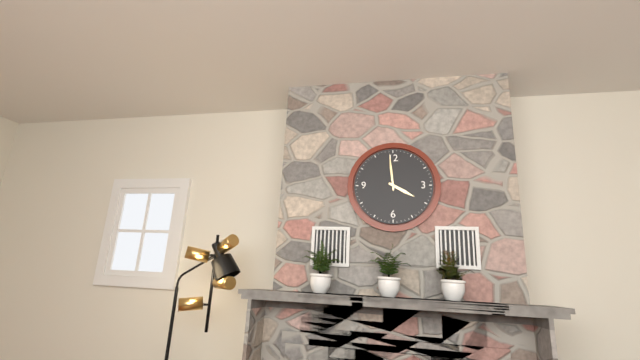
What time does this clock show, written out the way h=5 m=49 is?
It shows h=3 m=59
